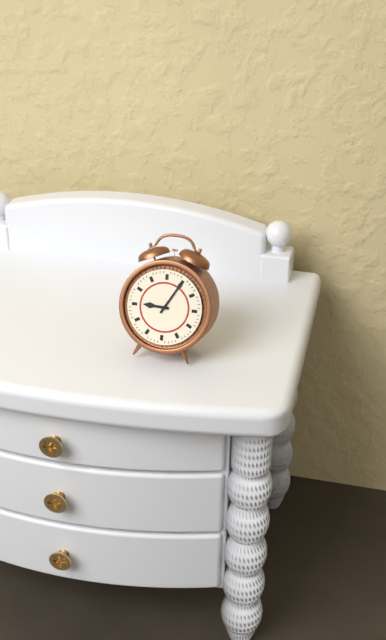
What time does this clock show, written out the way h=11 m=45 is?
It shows h=9 m=5
